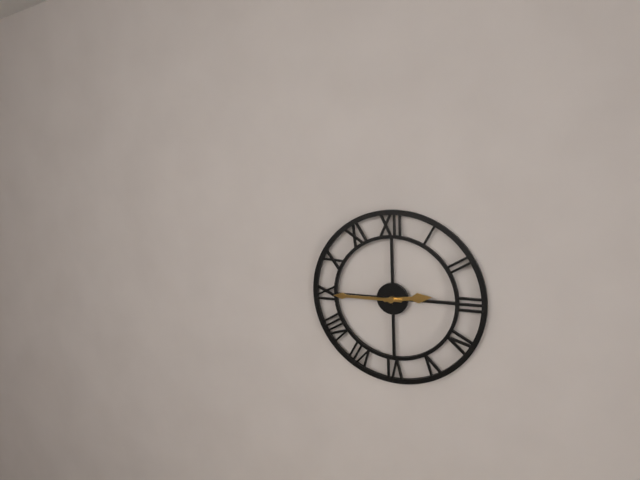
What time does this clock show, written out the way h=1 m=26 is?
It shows h=2 m=45
